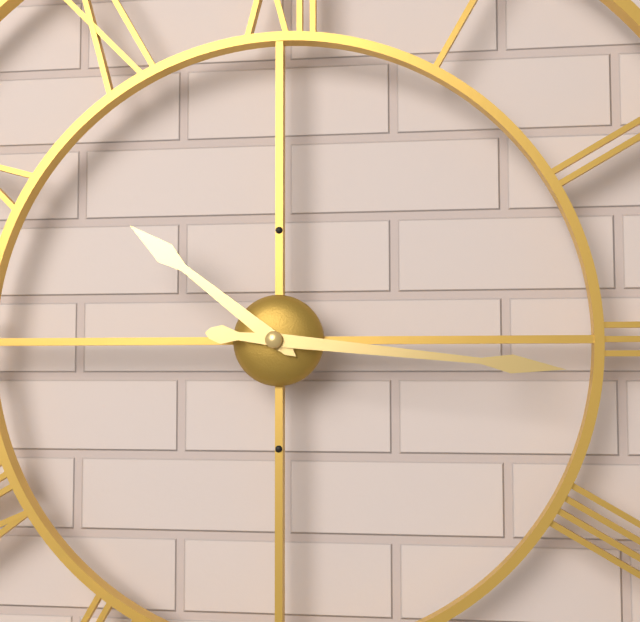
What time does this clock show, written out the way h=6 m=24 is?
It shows h=10 m=16
